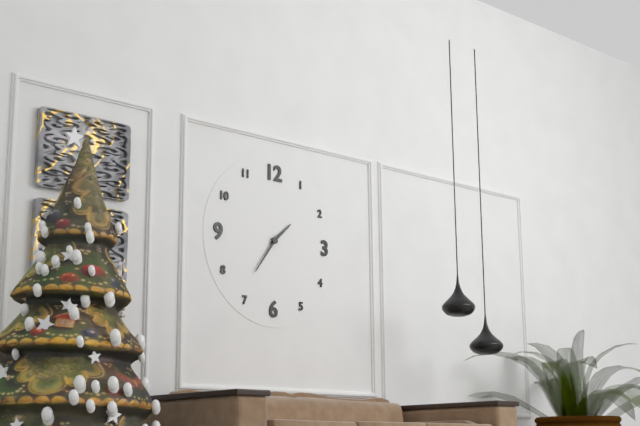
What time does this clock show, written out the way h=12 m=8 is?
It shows h=1 m=36
